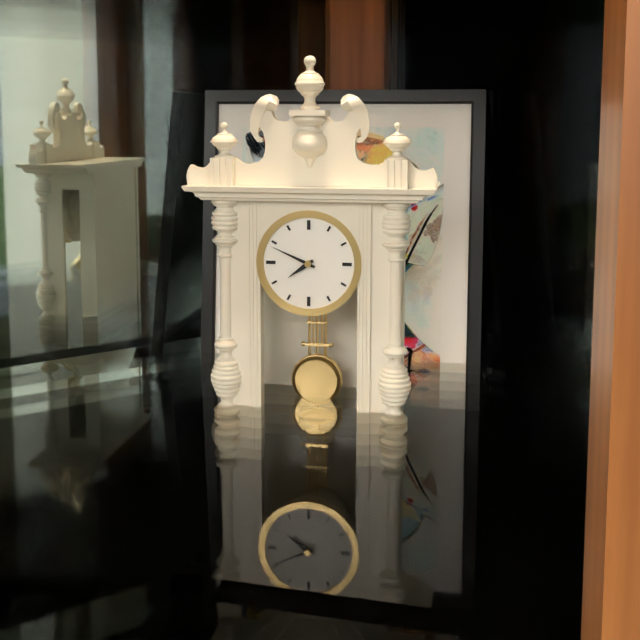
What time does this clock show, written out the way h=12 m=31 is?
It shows h=7 m=49
